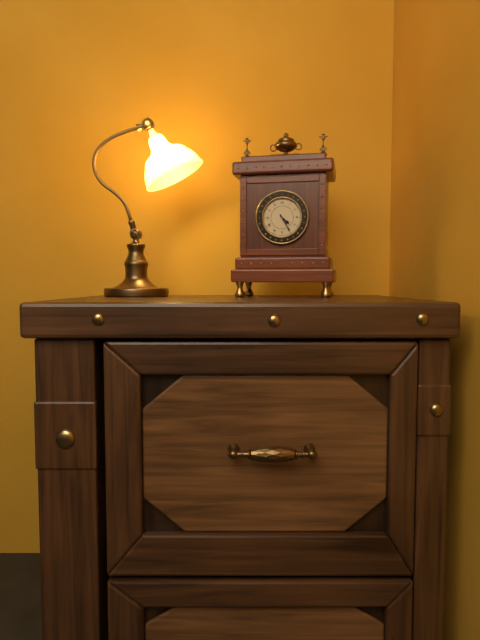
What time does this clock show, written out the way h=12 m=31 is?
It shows h=4 m=25
